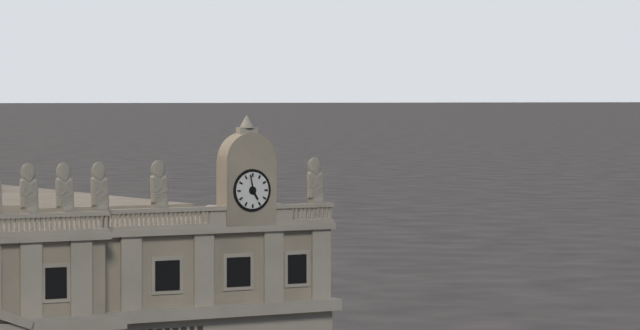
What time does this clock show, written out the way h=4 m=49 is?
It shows h=4 m=58
